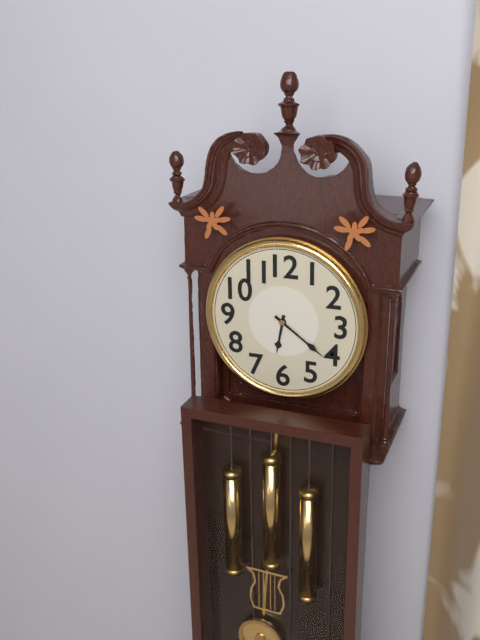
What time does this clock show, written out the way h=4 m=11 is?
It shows h=6 m=21
